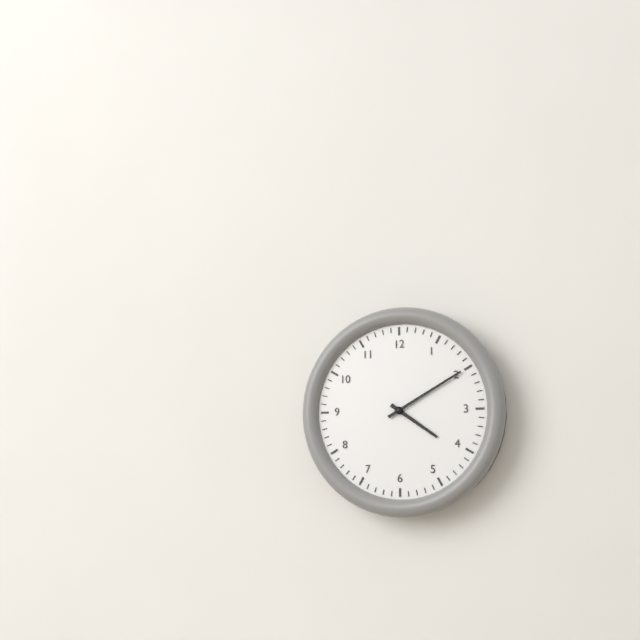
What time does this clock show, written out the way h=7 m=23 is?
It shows h=4 m=10
